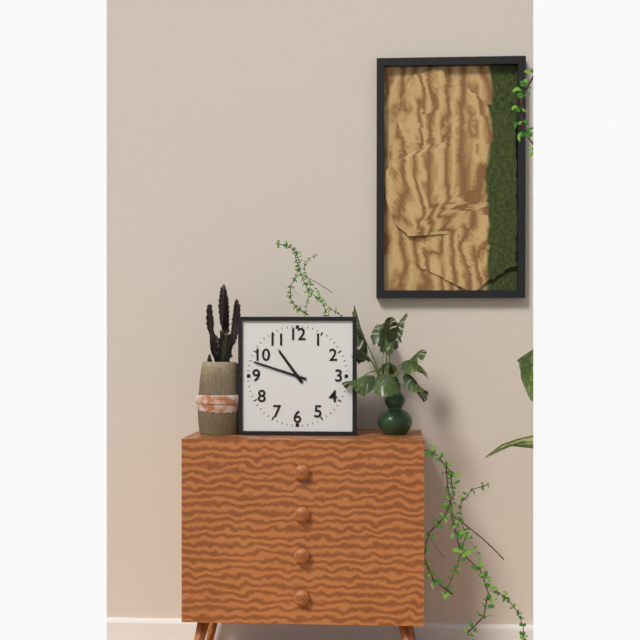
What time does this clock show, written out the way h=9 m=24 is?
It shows h=10 m=48
